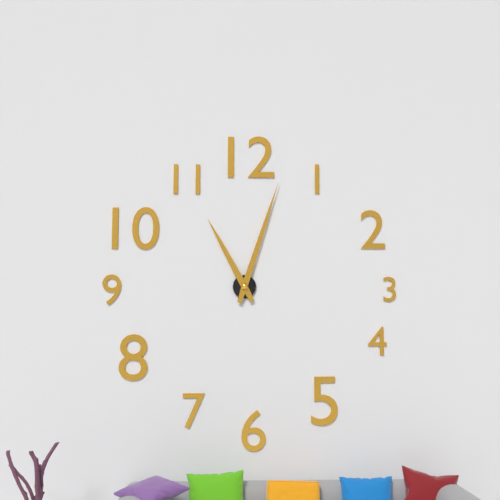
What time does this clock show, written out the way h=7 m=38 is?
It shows h=11 m=3
